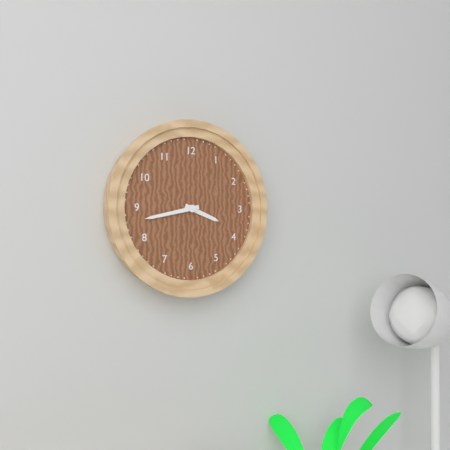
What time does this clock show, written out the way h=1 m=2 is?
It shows h=3 m=43
